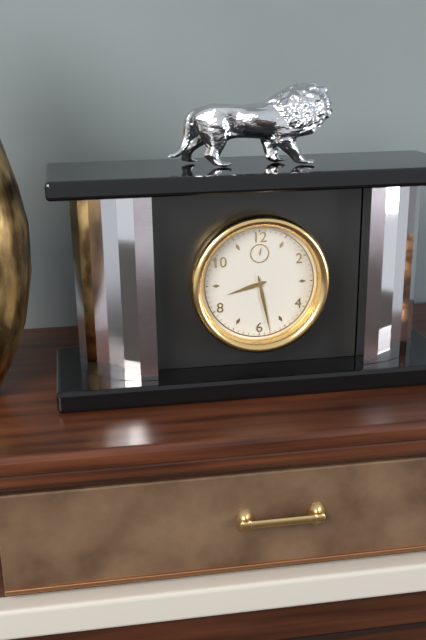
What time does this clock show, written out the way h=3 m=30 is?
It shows h=8 m=28
